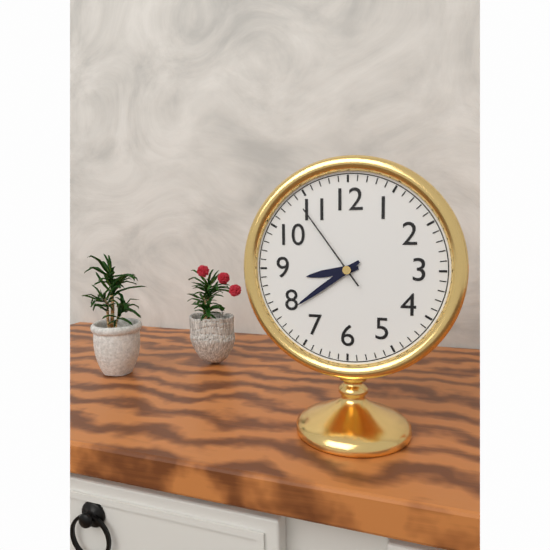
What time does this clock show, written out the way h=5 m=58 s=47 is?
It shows h=8 m=39 s=54
